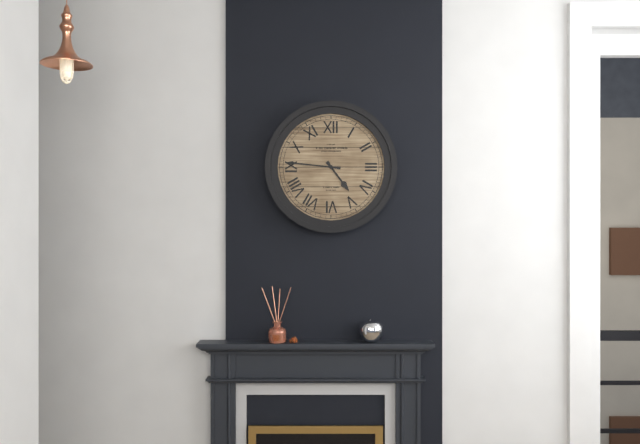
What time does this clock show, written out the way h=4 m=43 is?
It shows h=4 m=46
